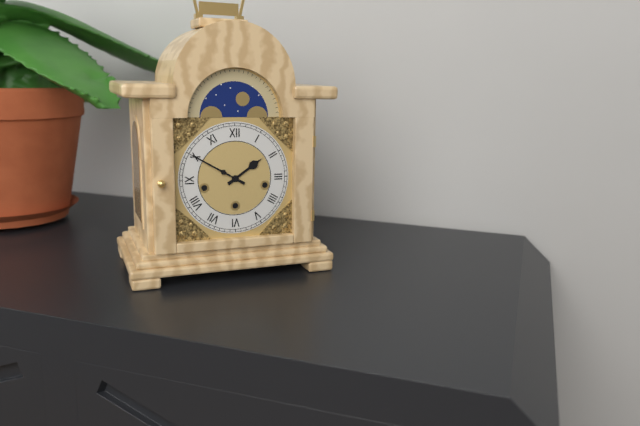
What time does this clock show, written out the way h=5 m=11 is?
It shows h=1 m=50
